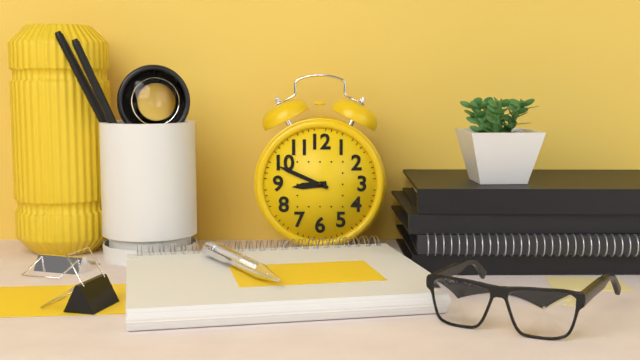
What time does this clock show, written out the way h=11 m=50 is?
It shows h=8 m=49
